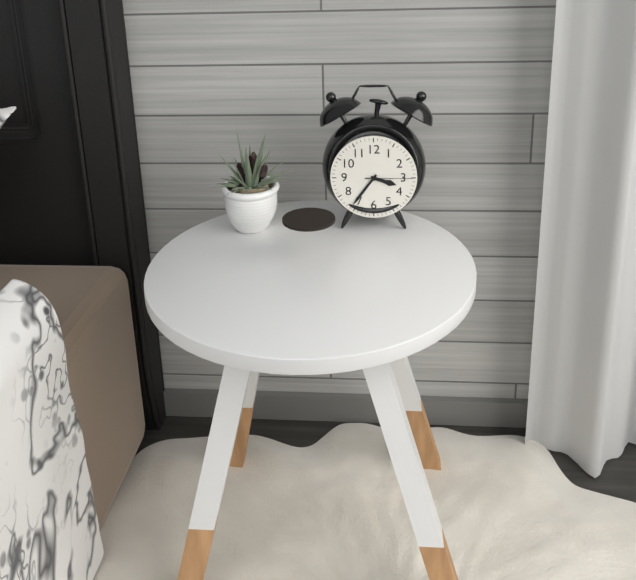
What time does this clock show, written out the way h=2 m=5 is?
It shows h=3 m=36
